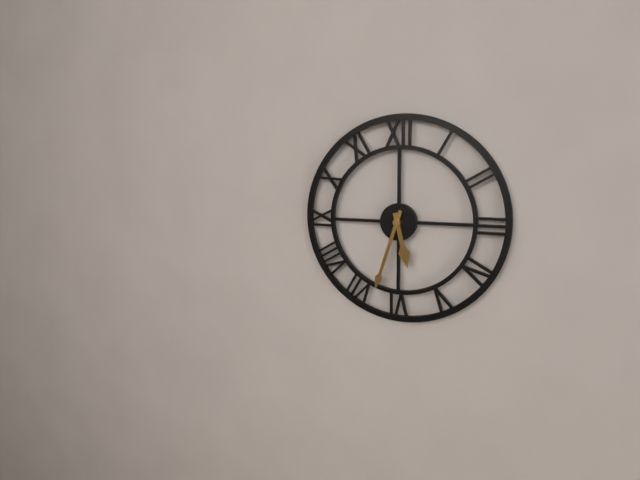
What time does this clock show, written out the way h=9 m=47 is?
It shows h=5 m=33
